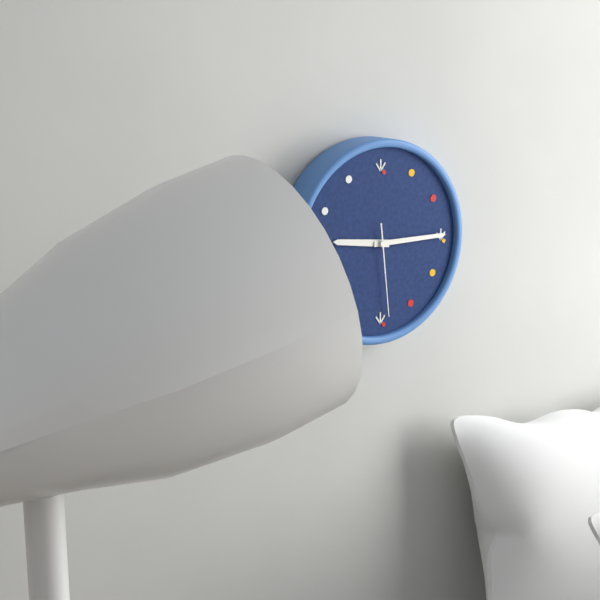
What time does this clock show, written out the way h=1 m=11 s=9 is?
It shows h=9 m=15 s=29
